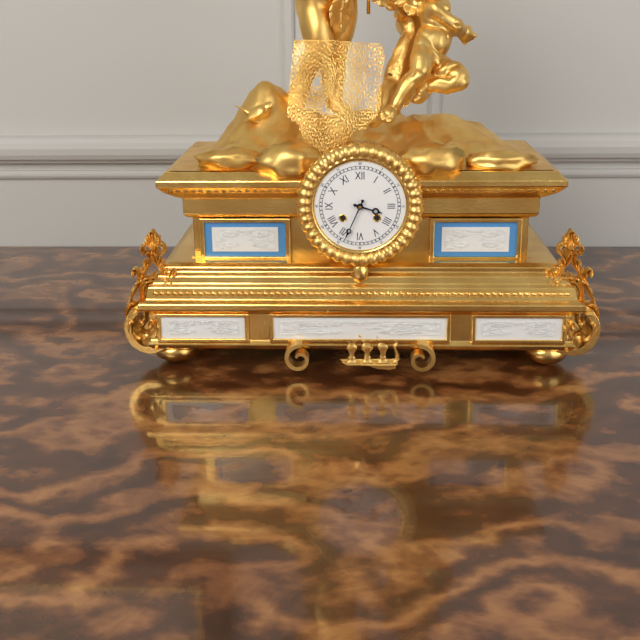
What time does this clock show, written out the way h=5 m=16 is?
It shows h=3 m=34
